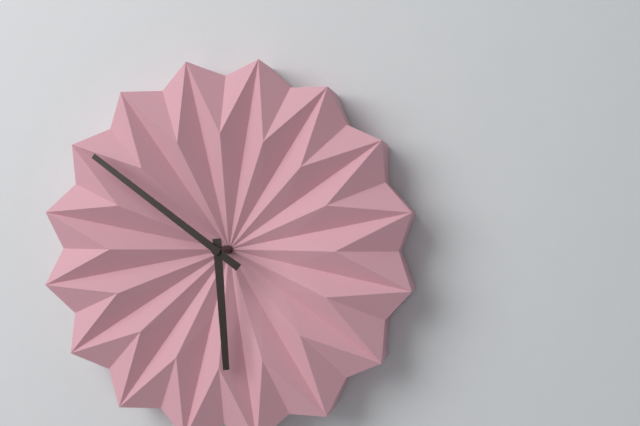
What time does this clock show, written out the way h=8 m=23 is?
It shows h=5 m=51
